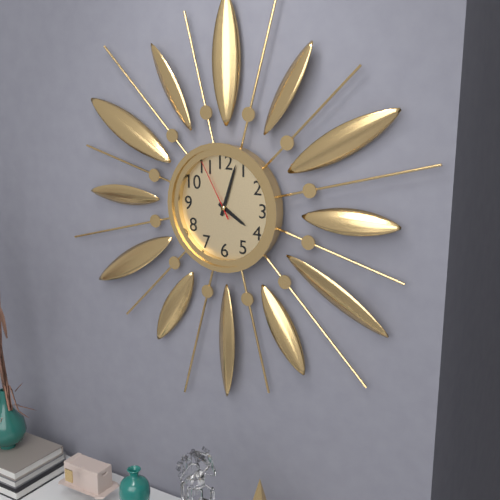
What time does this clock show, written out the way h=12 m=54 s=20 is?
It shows h=4 m=3 s=55
